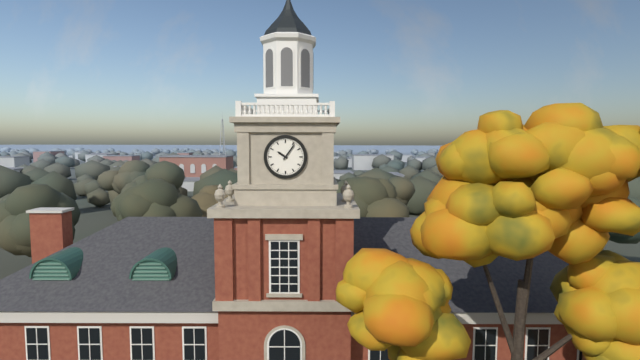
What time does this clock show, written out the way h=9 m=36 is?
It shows h=10 m=6
